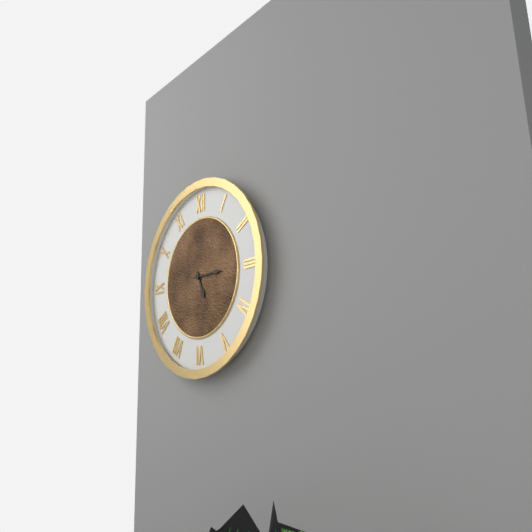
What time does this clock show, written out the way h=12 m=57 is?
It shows h=5 m=15
